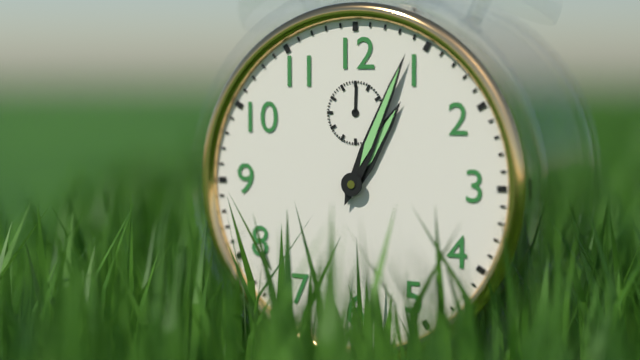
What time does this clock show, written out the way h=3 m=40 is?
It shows h=1 m=4
